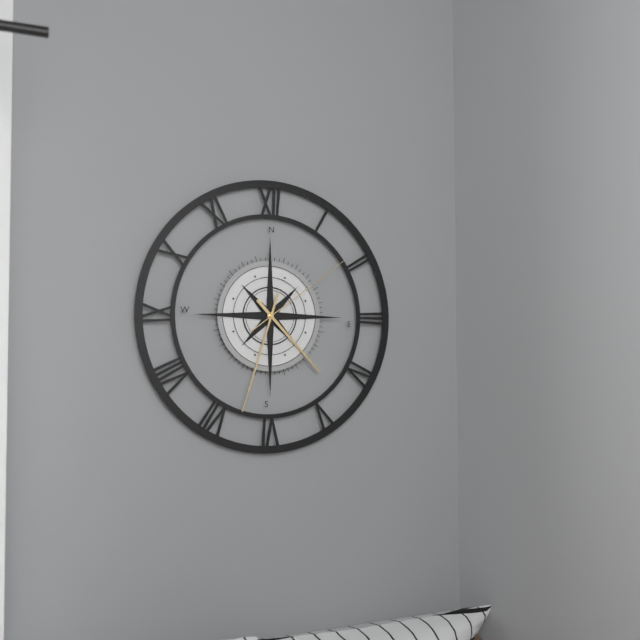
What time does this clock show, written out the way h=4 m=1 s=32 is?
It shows h=4 m=33 s=9
